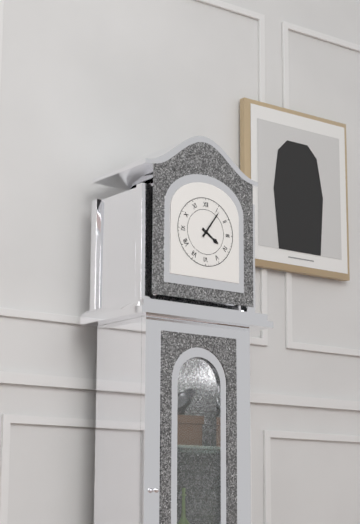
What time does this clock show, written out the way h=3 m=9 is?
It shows h=4 m=6
